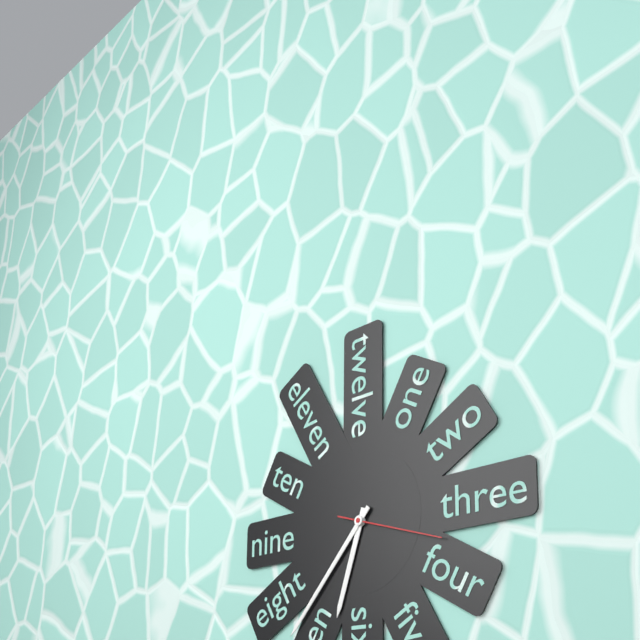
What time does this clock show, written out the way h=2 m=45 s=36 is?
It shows h=6 m=37 s=18
